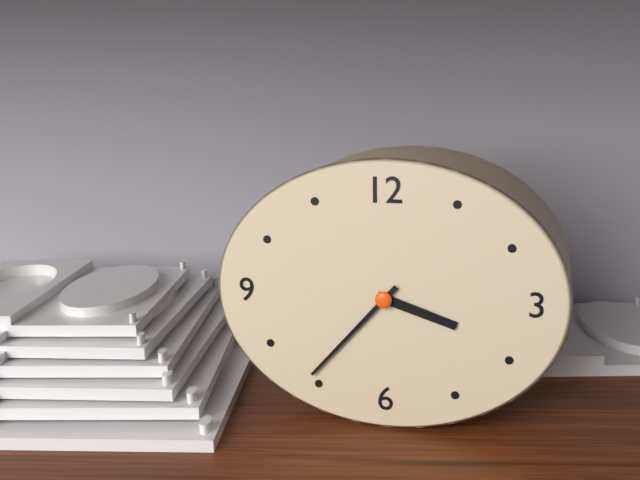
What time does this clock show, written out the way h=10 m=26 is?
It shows h=3 m=37
